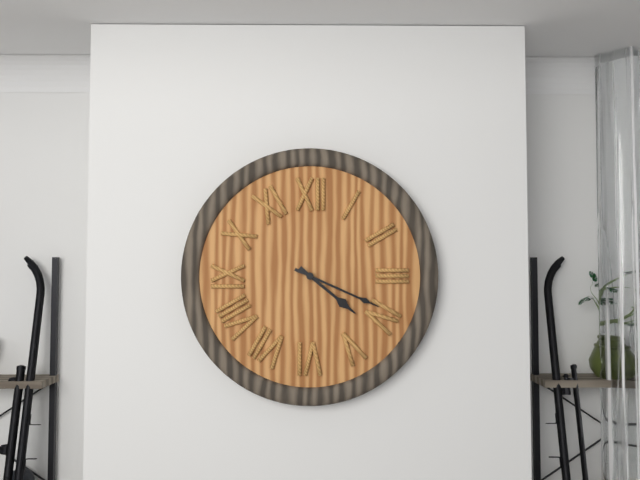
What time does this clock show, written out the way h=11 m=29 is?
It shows h=4 m=19
